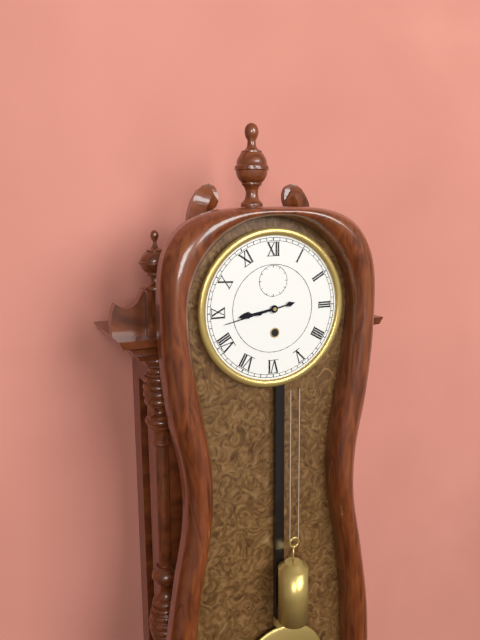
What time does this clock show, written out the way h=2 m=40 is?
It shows h=8 m=43
